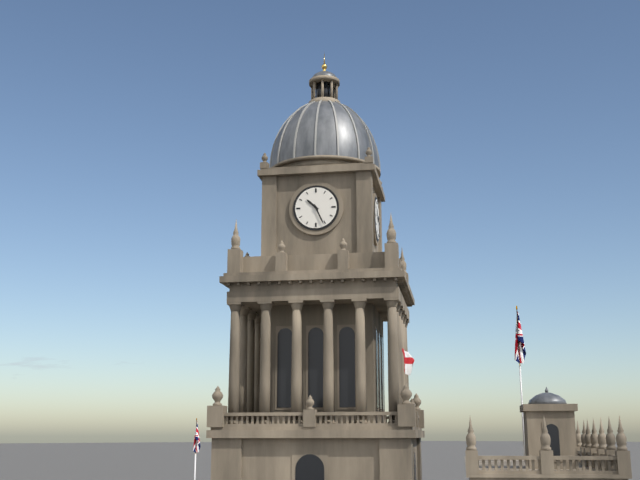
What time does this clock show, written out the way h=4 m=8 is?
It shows h=10 m=26
